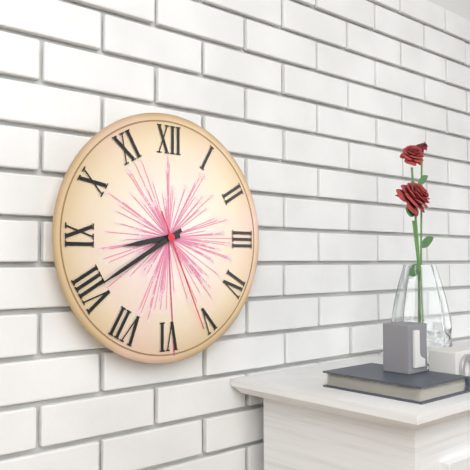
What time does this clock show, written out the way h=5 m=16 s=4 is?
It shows h=8 m=40 s=26
